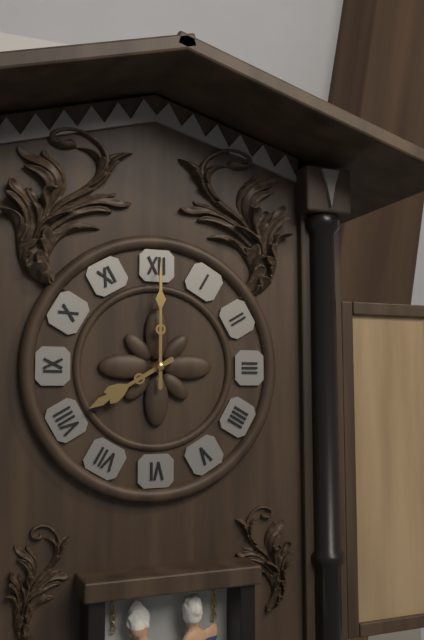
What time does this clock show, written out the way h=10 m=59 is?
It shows h=8 m=0
